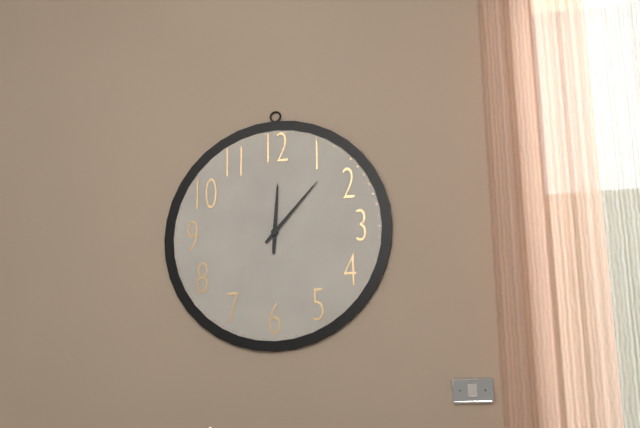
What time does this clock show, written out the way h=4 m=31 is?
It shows h=12 m=7
